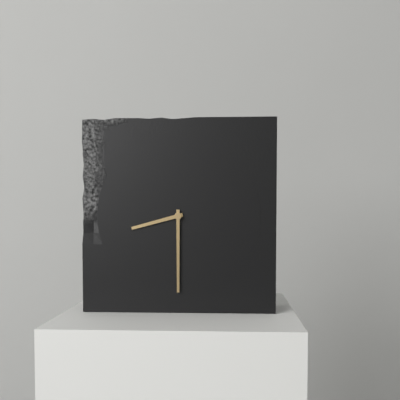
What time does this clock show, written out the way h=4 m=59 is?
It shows h=8 m=30
